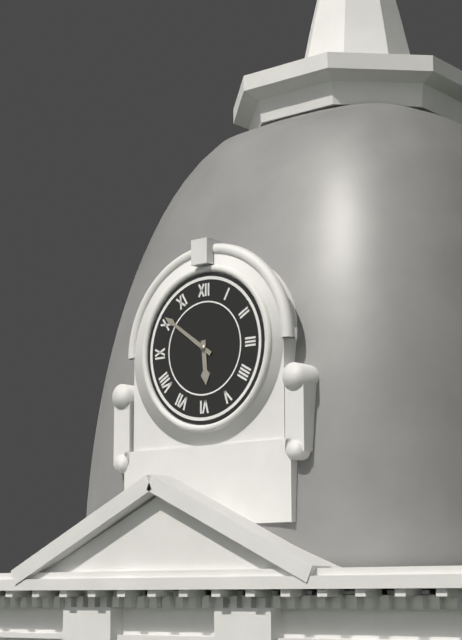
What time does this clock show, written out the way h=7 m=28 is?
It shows h=5 m=51
